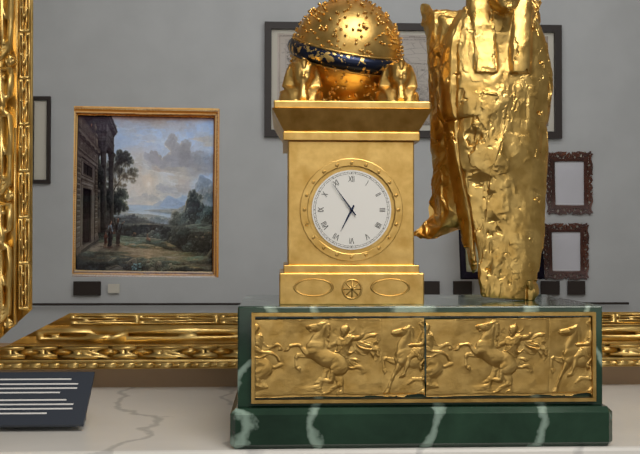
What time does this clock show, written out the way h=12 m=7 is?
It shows h=6 m=54
